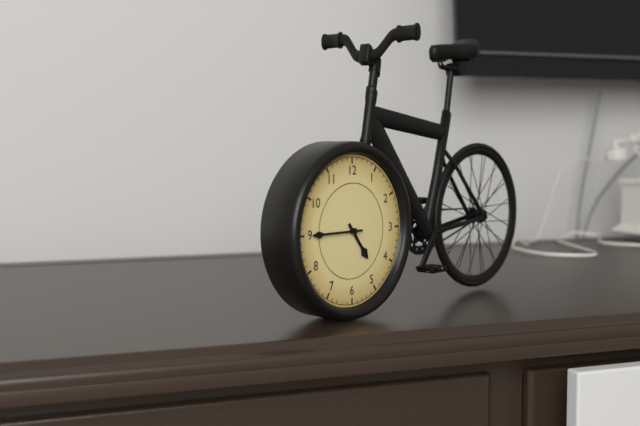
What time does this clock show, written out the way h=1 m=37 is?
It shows h=4 m=45
